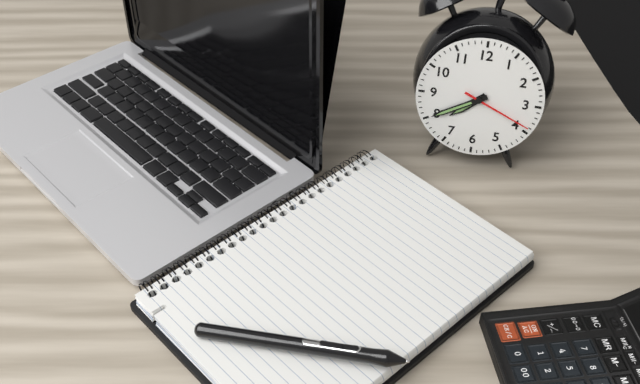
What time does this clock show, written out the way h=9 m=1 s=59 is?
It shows h=7 m=40 s=19
